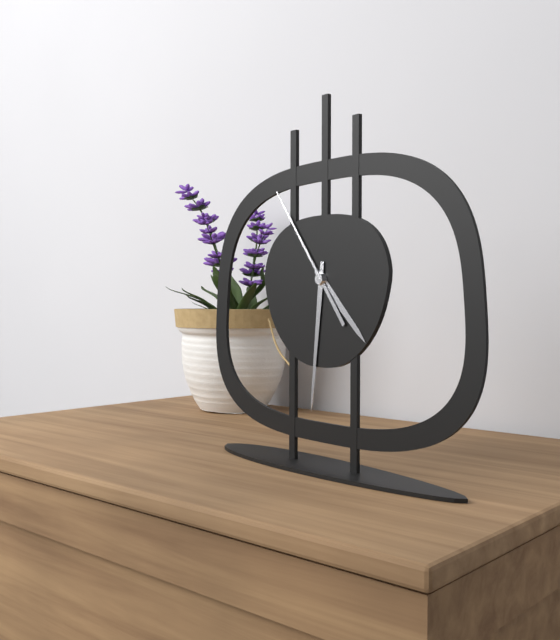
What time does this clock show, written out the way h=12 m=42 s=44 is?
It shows h=4 m=31 s=54
